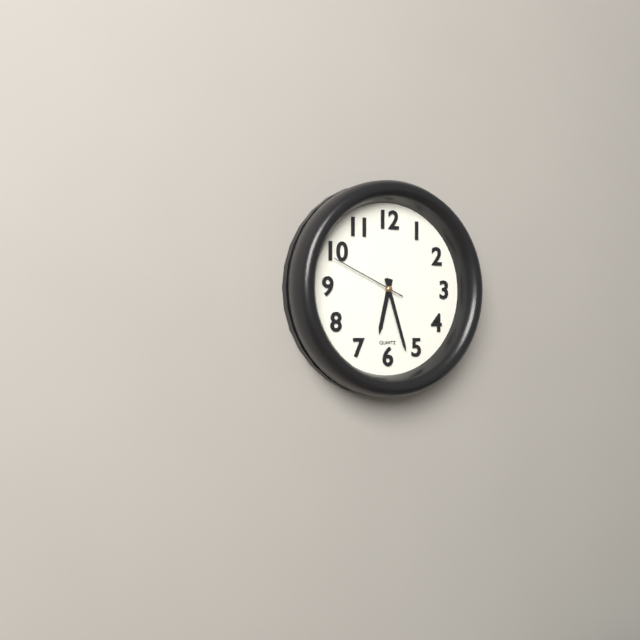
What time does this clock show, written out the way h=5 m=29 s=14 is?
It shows h=6 m=27 s=49
